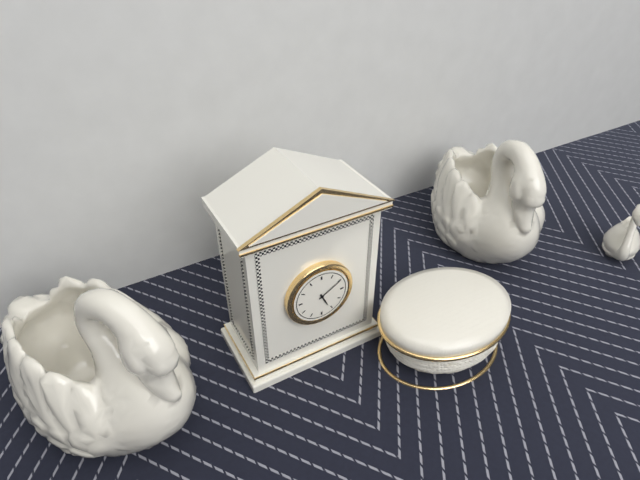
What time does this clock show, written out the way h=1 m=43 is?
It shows h=5 m=10
